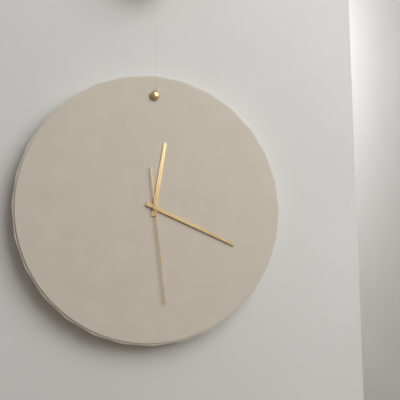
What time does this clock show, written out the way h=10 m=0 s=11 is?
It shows h=12 m=19 s=29
